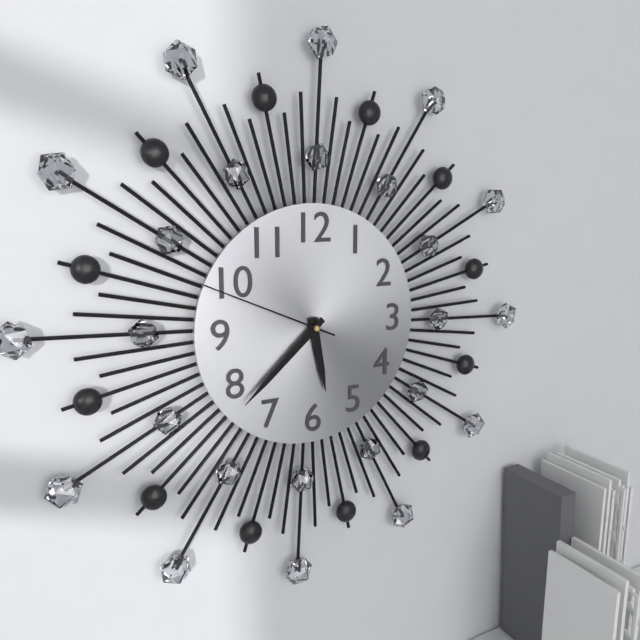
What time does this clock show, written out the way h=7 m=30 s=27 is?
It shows h=5 m=38 s=49
